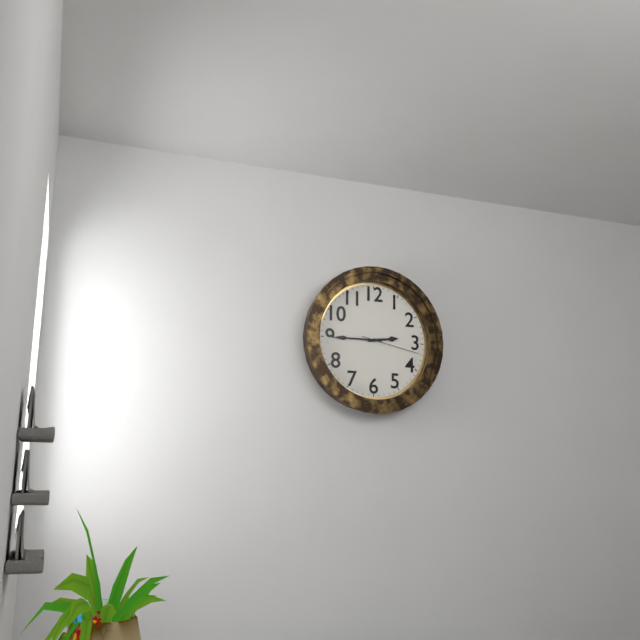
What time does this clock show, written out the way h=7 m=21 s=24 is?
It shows h=2 m=45 s=17
